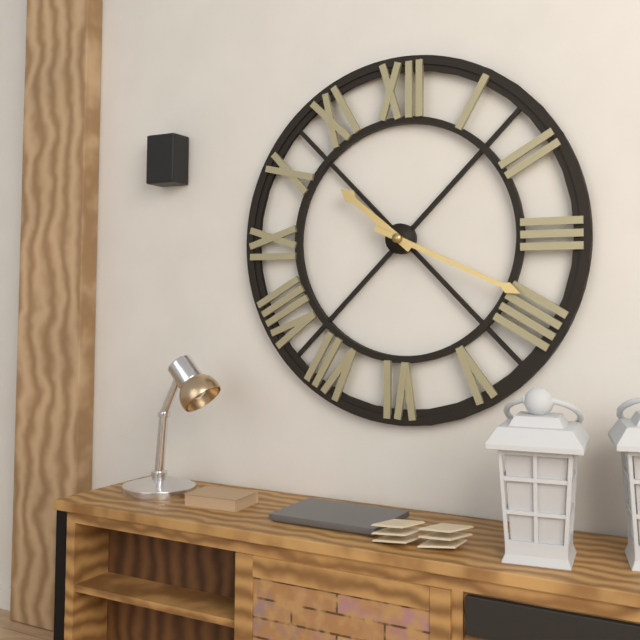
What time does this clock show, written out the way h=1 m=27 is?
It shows h=10 m=19
